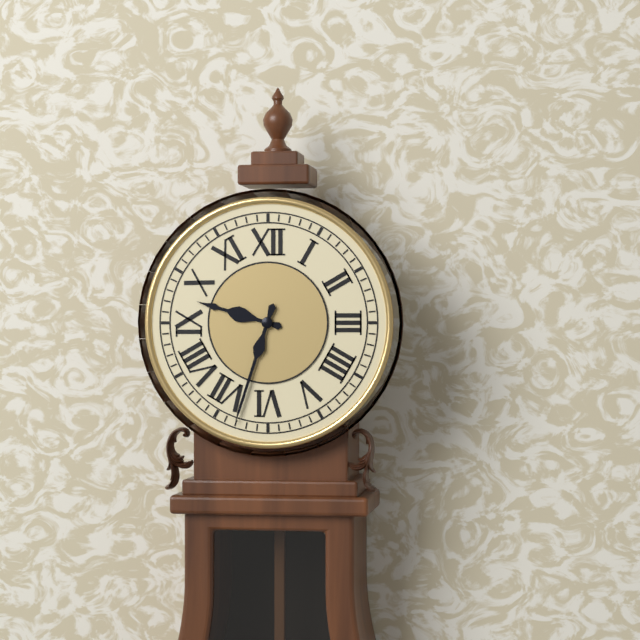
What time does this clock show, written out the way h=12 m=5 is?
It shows h=9 m=33
